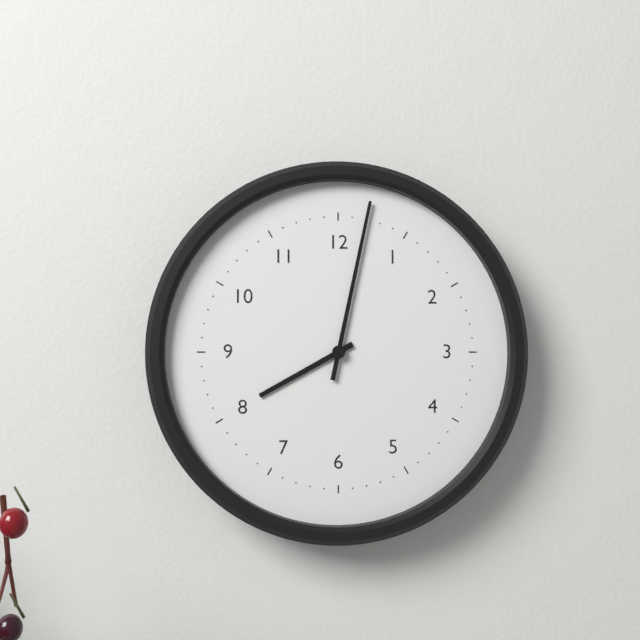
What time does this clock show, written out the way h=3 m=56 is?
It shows h=8 m=2
